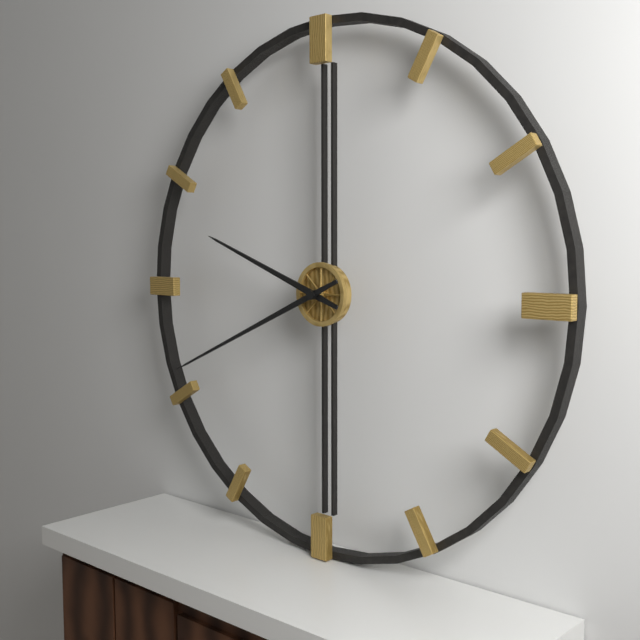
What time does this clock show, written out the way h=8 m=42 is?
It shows h=9 m=41
